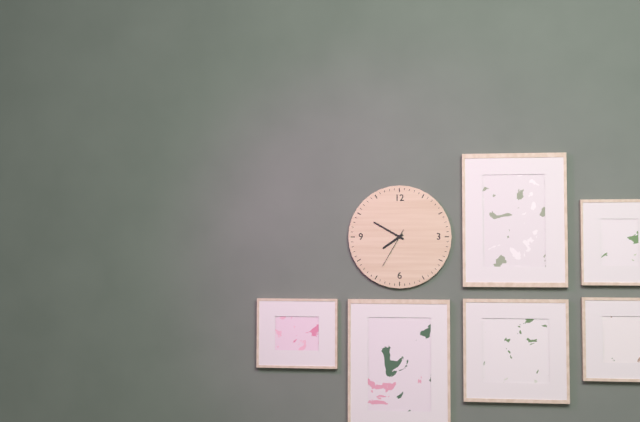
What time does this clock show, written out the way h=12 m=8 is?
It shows h=7 m=50
